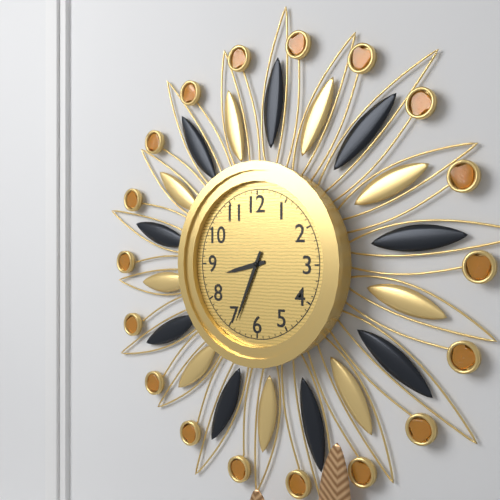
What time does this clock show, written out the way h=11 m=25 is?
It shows h=8 m=34
